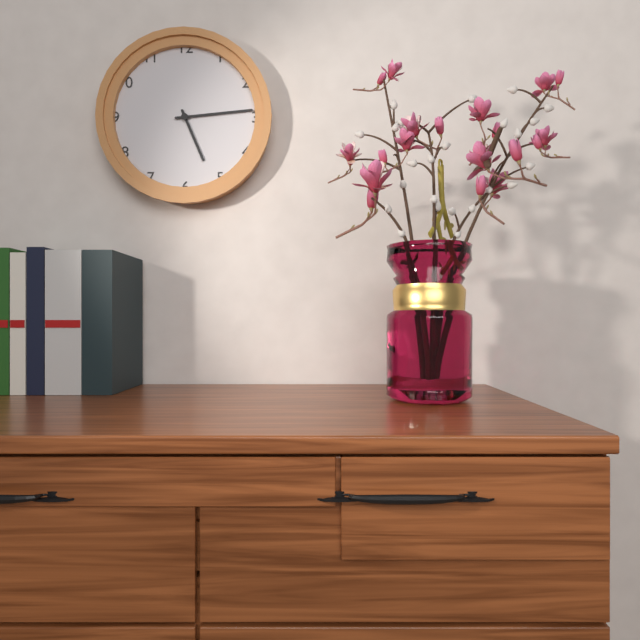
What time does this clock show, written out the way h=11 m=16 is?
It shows h=5 m=14
